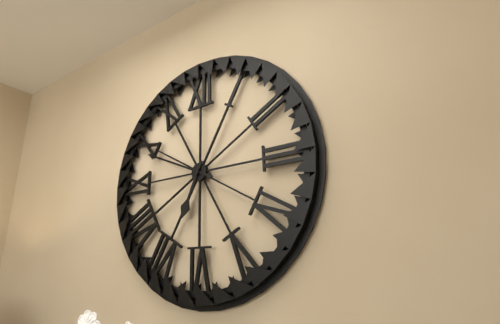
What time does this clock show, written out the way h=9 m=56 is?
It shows h=6 m=49
